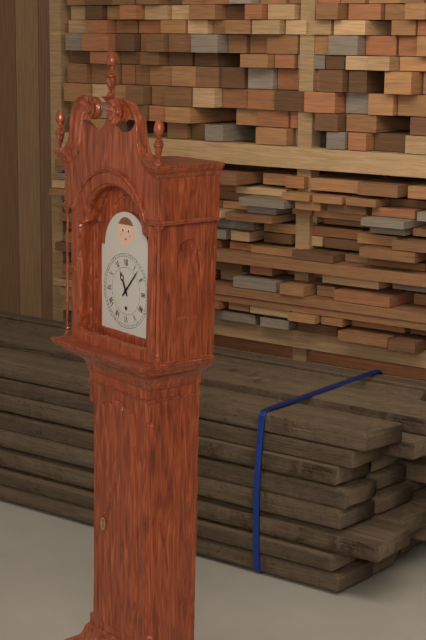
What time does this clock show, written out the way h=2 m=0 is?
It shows h=11 m=7
